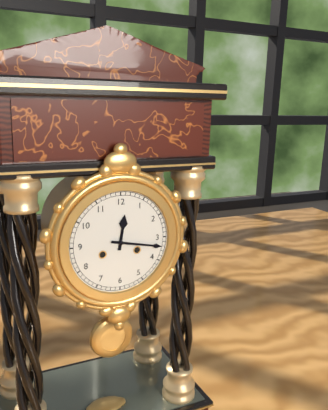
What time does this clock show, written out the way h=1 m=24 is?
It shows h=12 m=17
